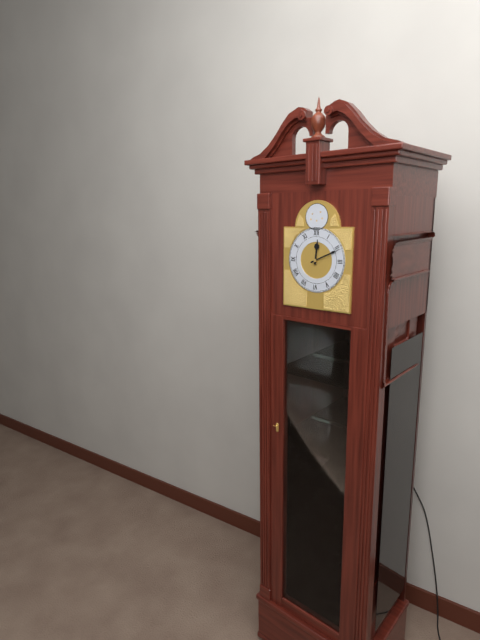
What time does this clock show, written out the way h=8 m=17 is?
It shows h=12 m=11
